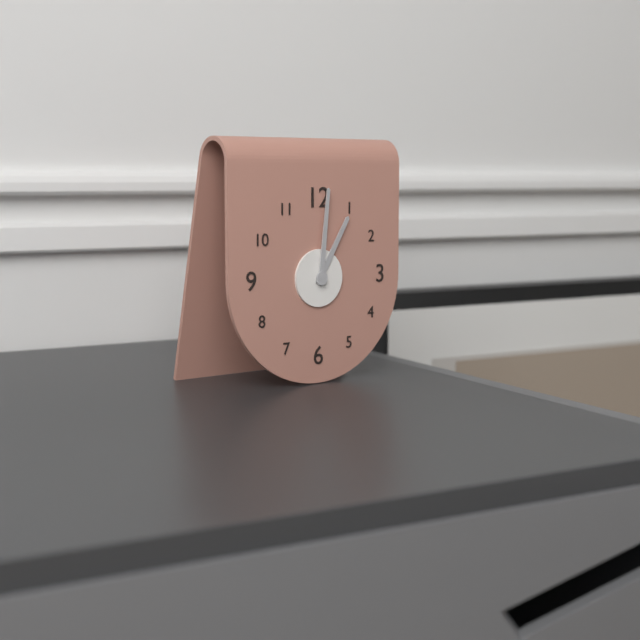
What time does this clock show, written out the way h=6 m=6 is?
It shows h=1 m=1
